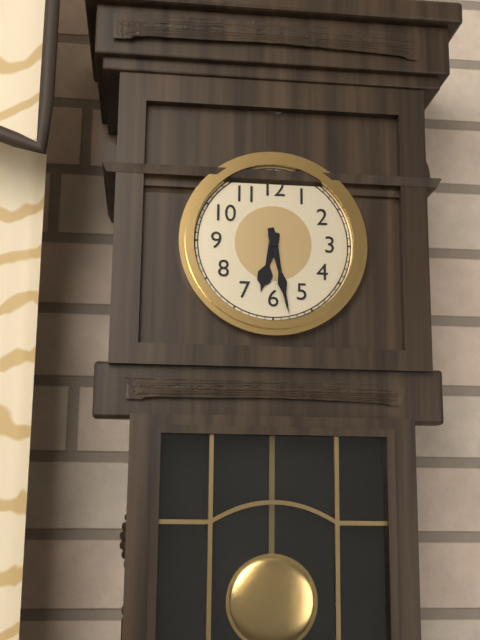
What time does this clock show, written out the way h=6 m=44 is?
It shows h=6 m=28
